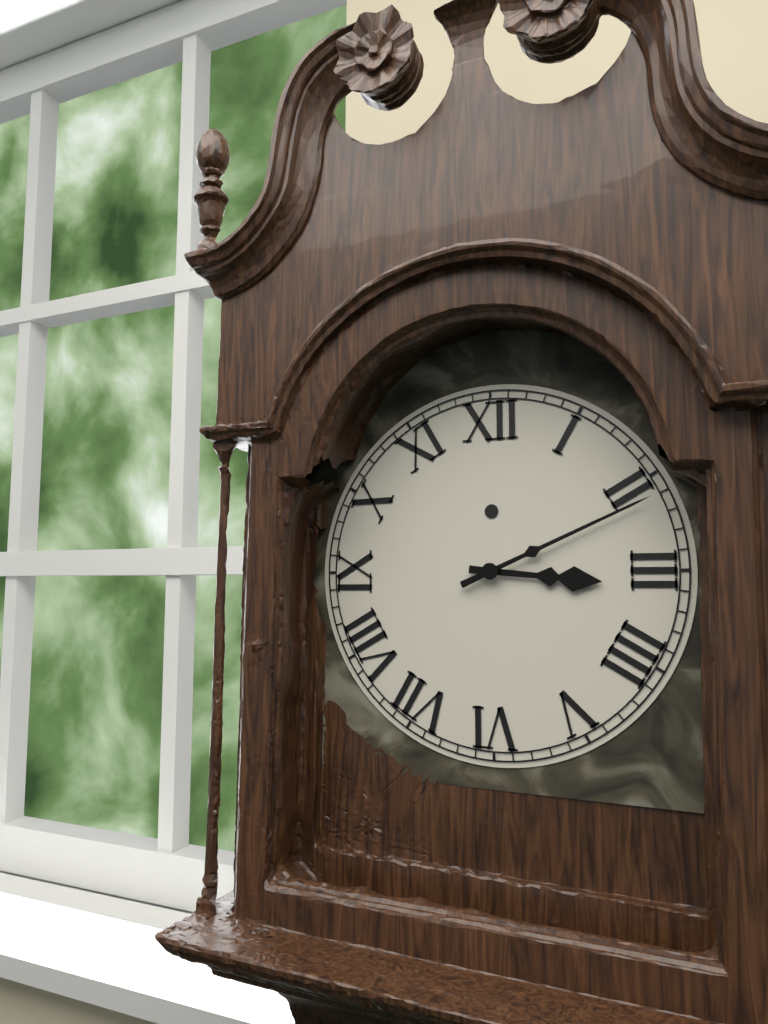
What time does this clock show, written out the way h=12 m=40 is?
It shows h=3 m=11
